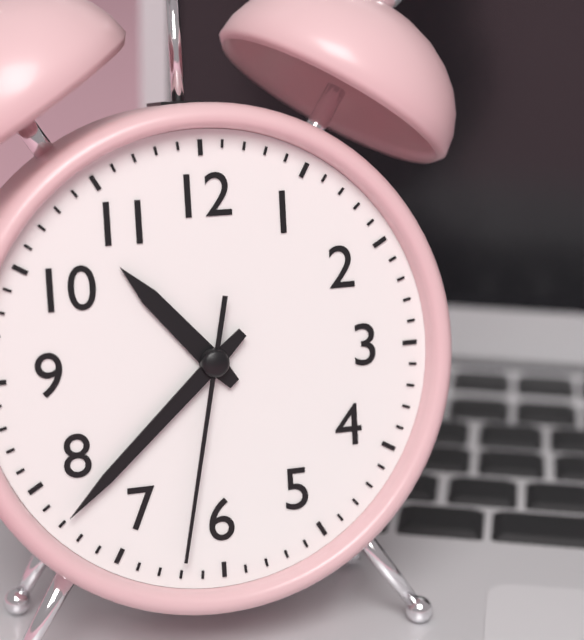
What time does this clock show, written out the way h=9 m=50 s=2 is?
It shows h=10 m=38 s=32
